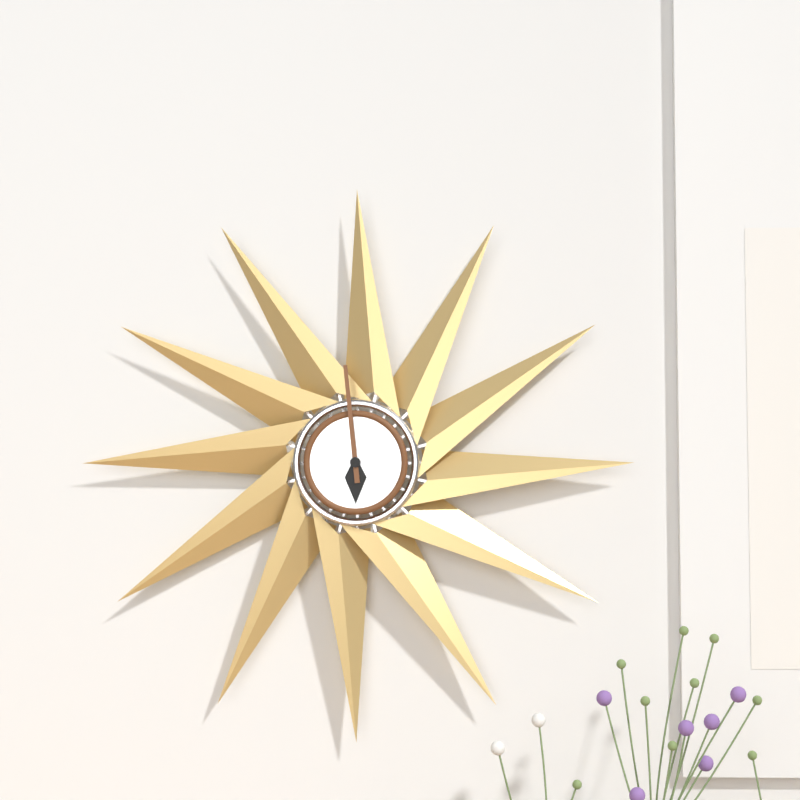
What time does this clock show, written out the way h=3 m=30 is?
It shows h=5 m=59
